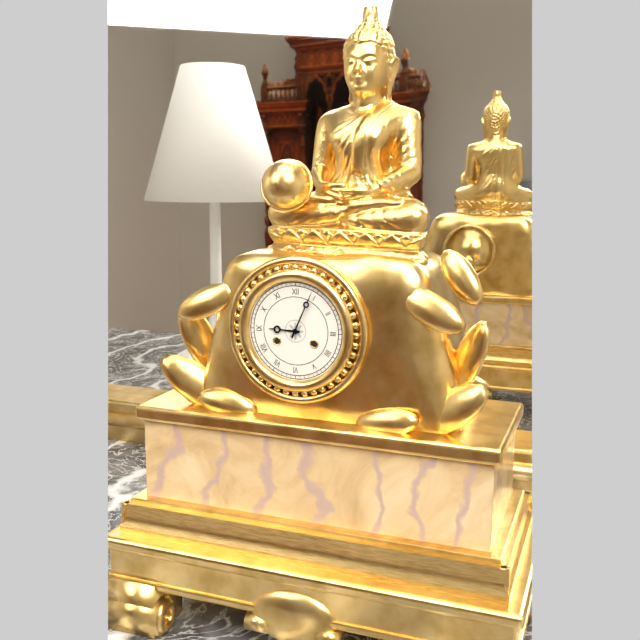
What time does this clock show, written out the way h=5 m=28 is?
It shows h=9 m=4
